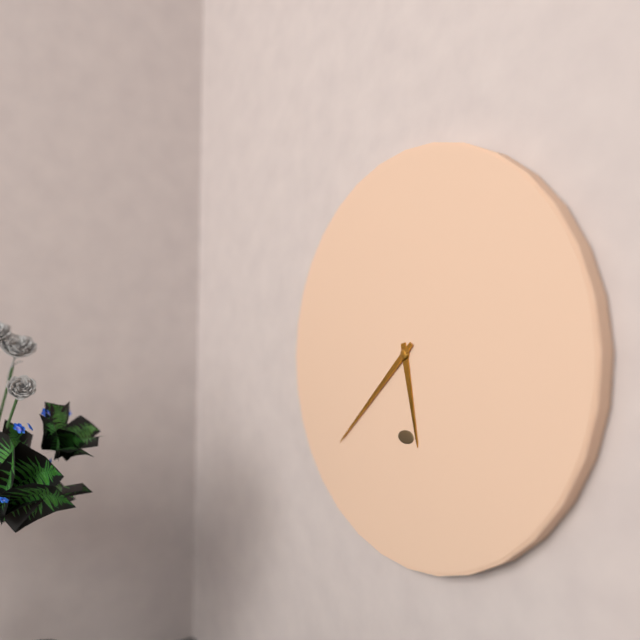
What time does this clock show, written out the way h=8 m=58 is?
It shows h=5 m=38
